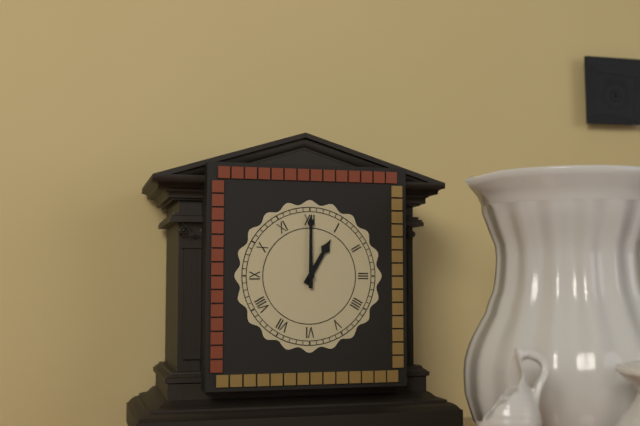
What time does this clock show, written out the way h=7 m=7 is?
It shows h=1 m=0
